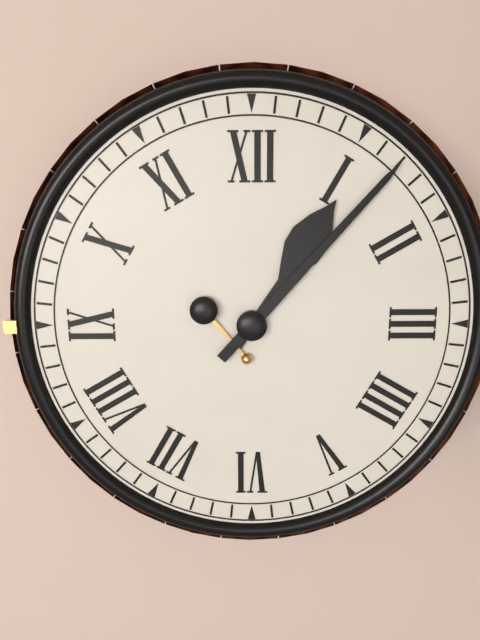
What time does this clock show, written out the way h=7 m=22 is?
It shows h=1 m=7
